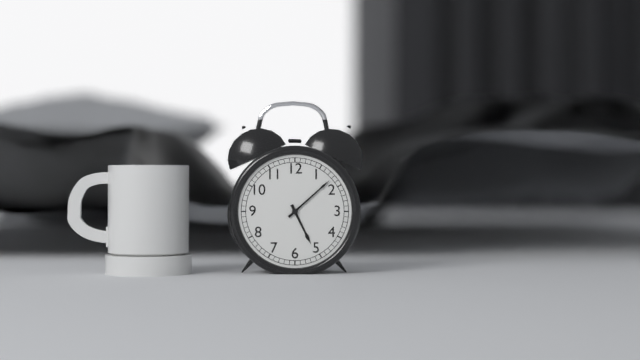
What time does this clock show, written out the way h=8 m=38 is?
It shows h=5 m=8
